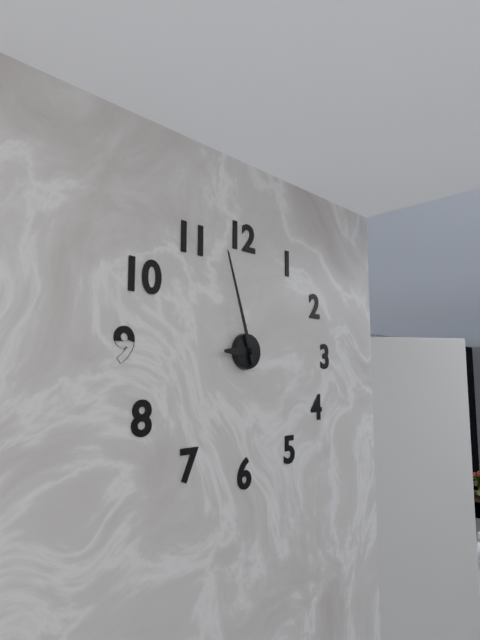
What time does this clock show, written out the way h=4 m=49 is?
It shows h=8 m=57
